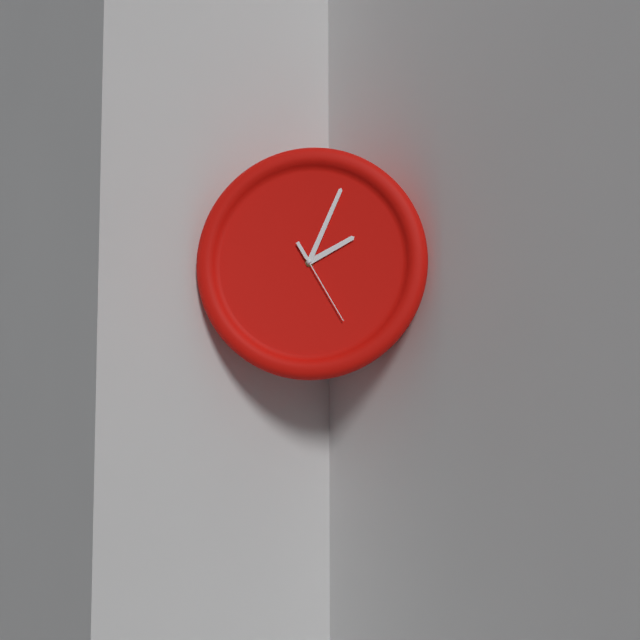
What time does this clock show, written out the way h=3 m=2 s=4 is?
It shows h=2 m=4 s=25
